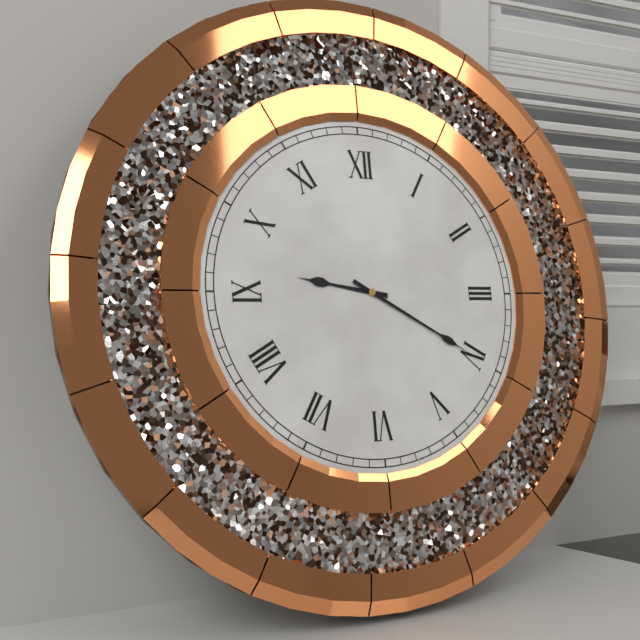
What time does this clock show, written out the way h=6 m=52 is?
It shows h=9 m=20
